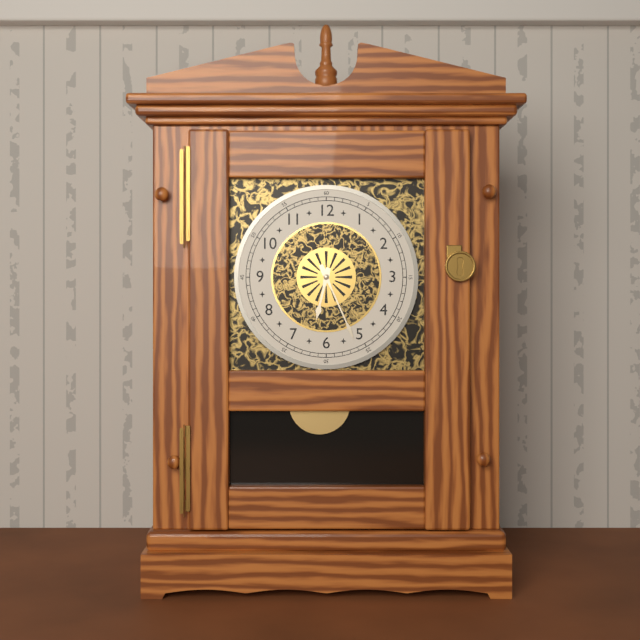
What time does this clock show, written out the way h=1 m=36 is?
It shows h=6 m=26
